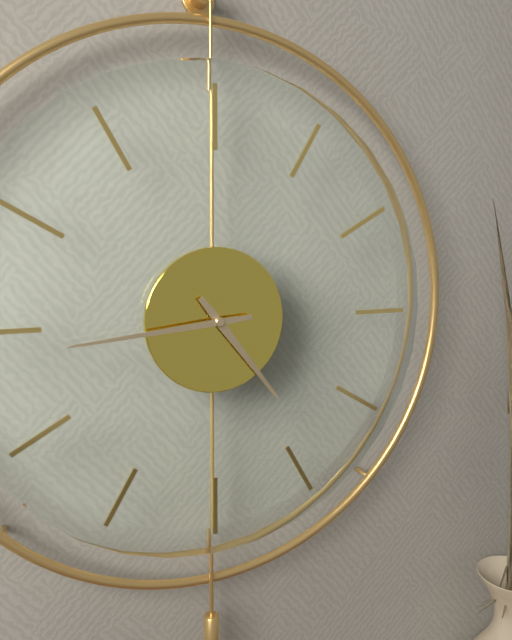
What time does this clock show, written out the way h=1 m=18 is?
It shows h=4 m=44
